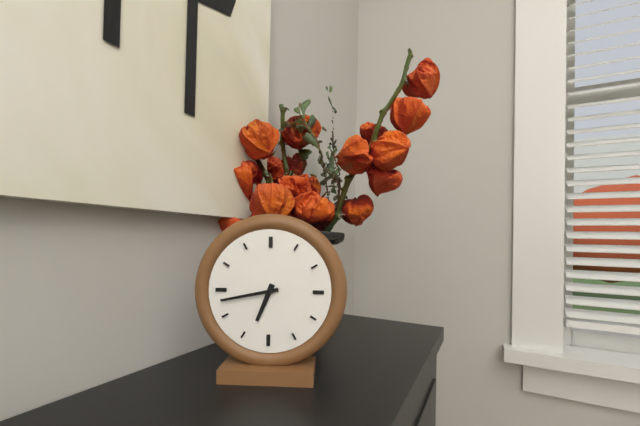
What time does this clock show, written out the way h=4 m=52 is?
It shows h=6 m=43
